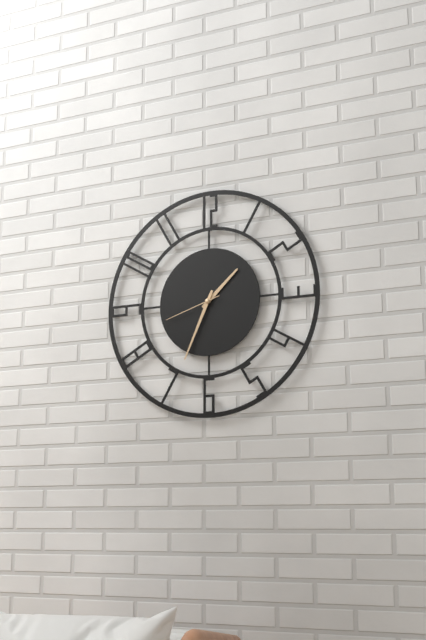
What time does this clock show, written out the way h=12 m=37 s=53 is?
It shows h=1 m=34 s=42
